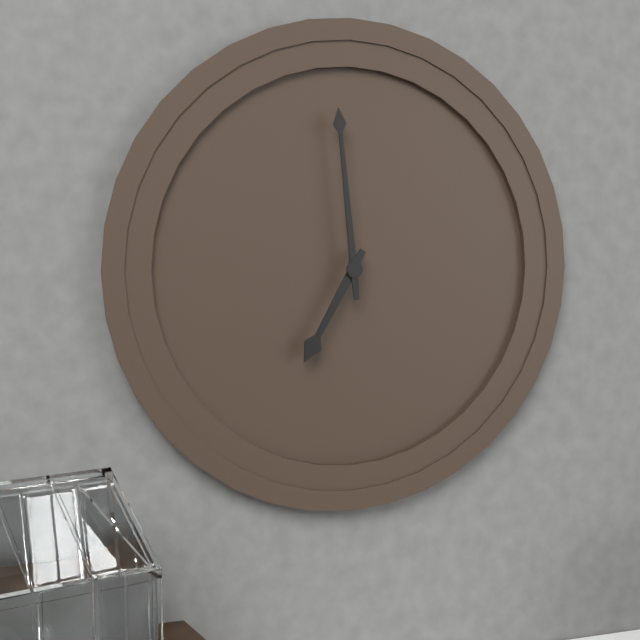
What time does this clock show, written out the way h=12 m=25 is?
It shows h=6 m=59
